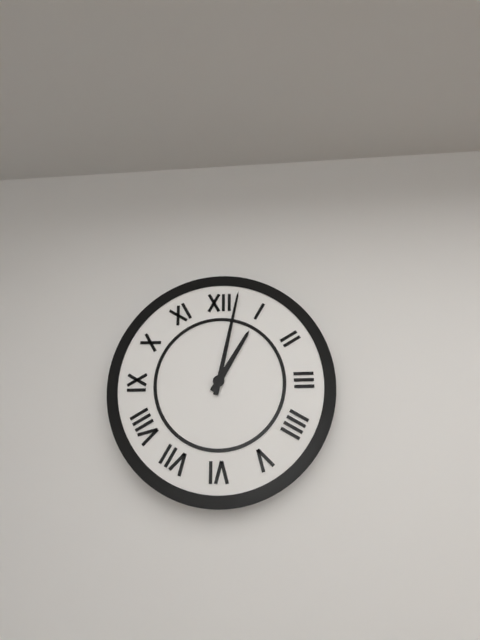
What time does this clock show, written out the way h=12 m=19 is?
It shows h=1 m=2
